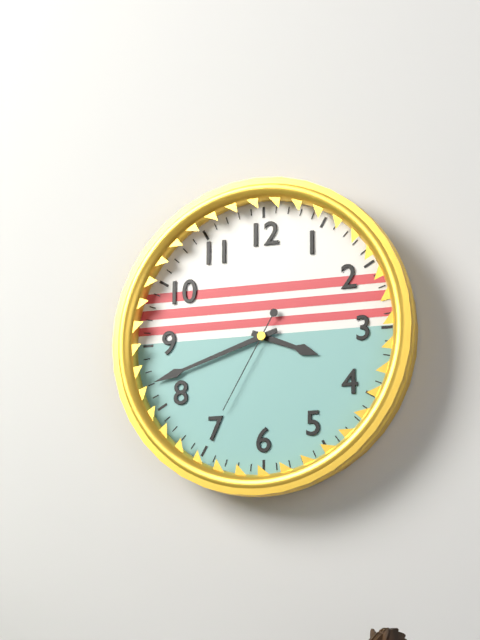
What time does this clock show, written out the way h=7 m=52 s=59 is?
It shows h=3 m=42 s=35
